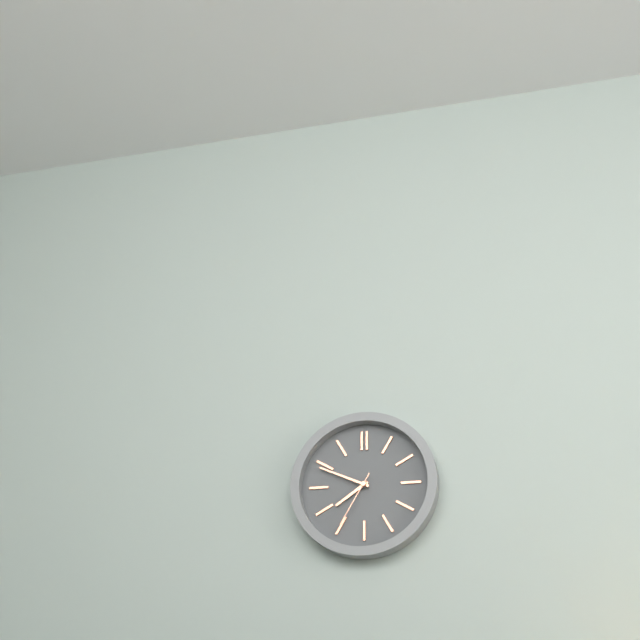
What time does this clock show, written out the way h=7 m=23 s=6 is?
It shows h=7 m=49 s=35
